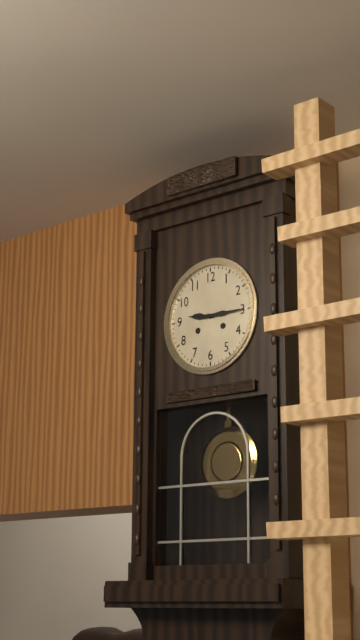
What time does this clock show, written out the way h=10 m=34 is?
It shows h=9 m=15
